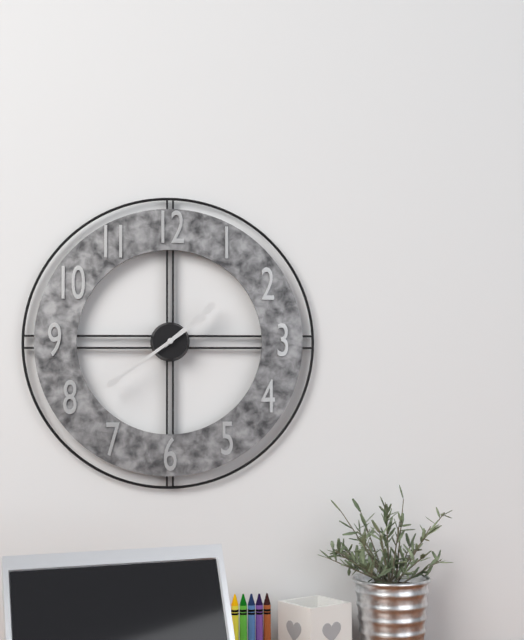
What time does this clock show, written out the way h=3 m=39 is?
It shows h=1 m=39
